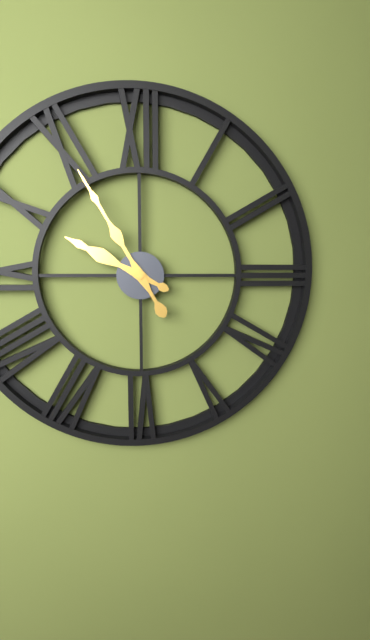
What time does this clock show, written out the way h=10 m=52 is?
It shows h=9 m=55
